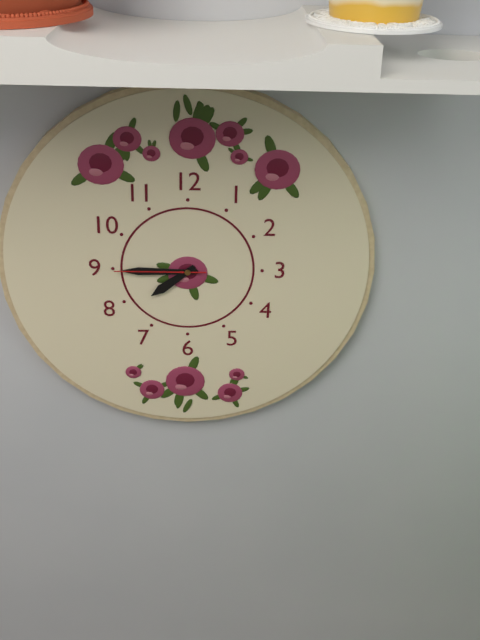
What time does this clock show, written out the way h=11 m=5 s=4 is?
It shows h=7 m=45 s=45
